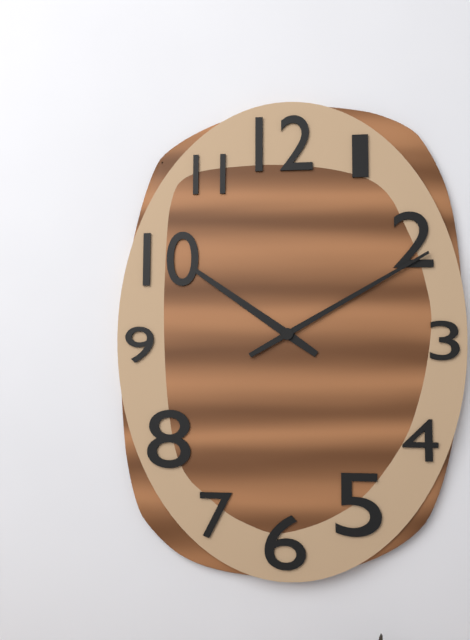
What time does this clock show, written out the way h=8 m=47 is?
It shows h=10 m=10
